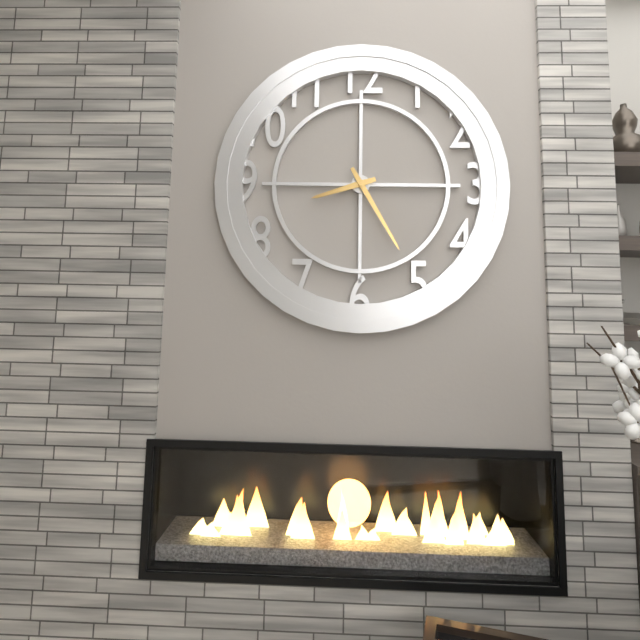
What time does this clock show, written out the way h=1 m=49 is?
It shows h=8 m=25
